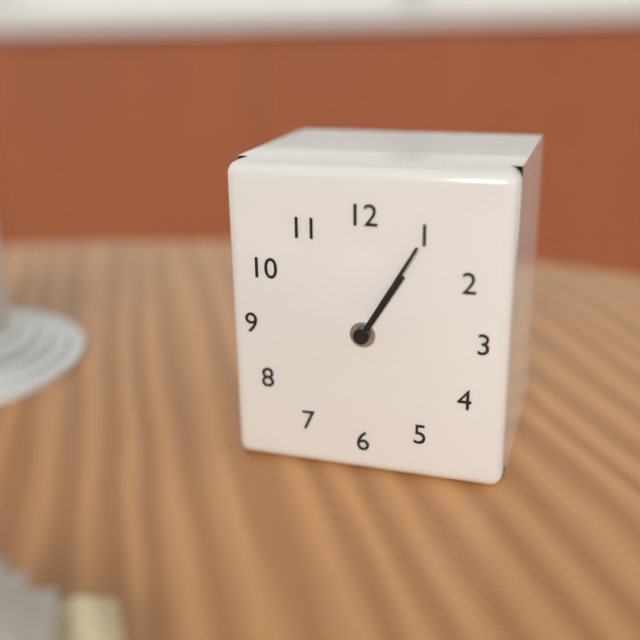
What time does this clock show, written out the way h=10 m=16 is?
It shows h=1 m=5
